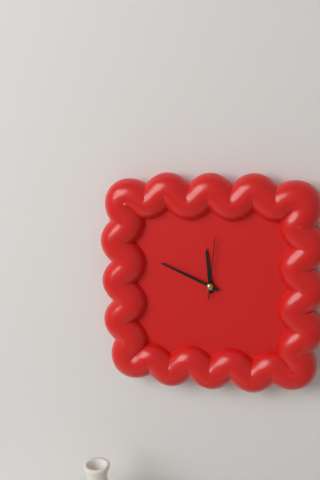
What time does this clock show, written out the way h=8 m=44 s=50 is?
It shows h=11 m=49 s=1
